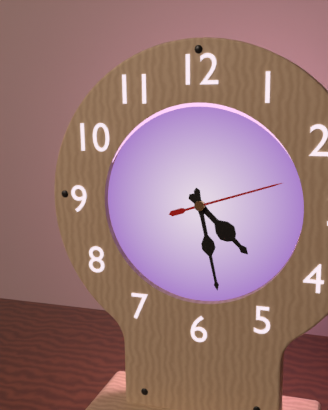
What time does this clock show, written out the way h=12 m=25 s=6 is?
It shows h=4 m=28 s=12
